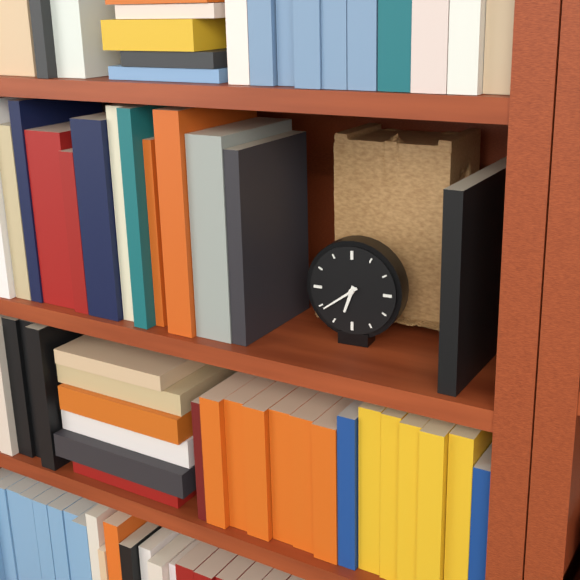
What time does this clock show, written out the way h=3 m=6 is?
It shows h=6 m=39
